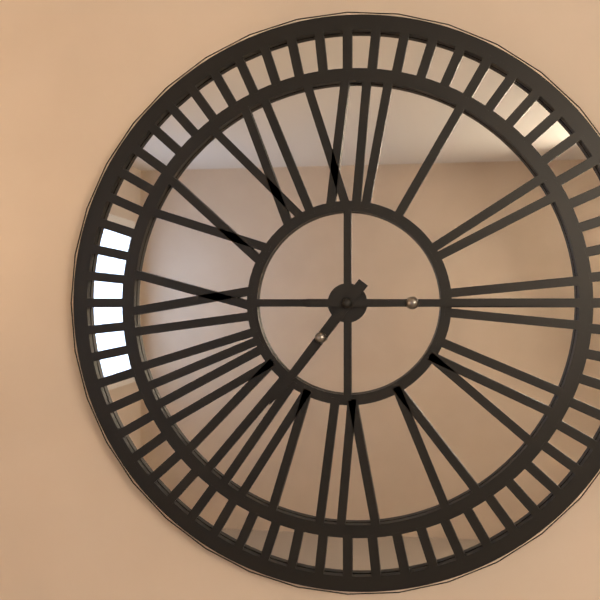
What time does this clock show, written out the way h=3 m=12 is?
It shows h=7 m=15
